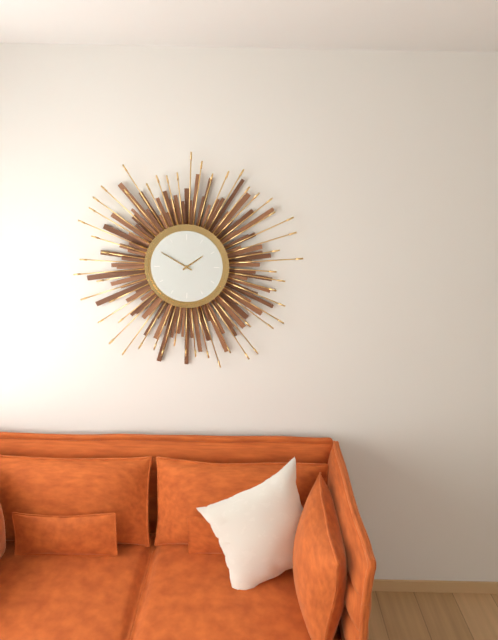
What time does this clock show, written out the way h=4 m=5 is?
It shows h=1 m=50
